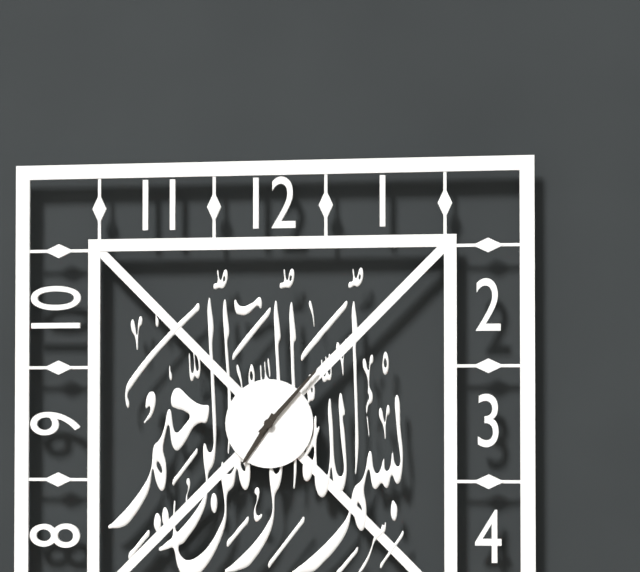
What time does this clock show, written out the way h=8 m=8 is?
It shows h=7 m=7
